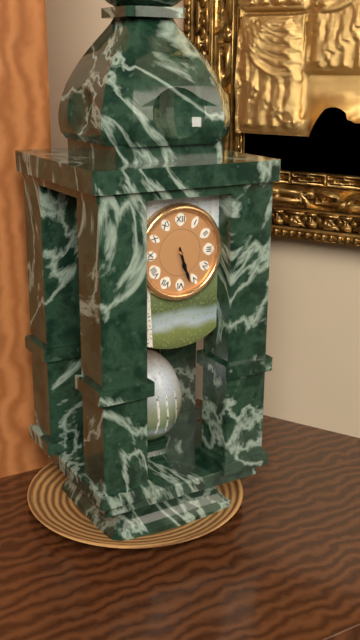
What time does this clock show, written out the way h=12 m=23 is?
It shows h=5 m=27
